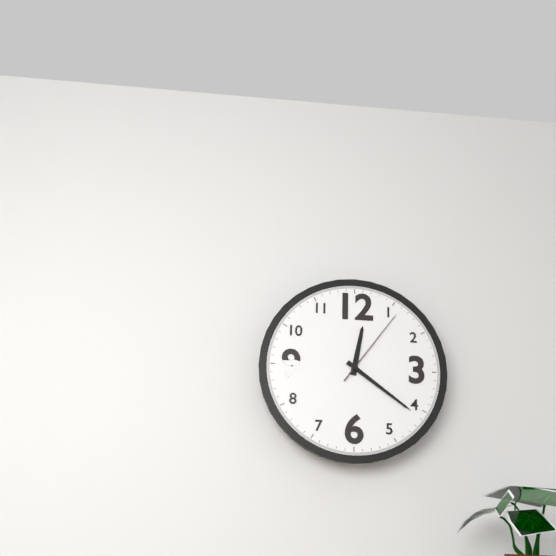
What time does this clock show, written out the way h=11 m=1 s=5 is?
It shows h=12 m=21 s=6
